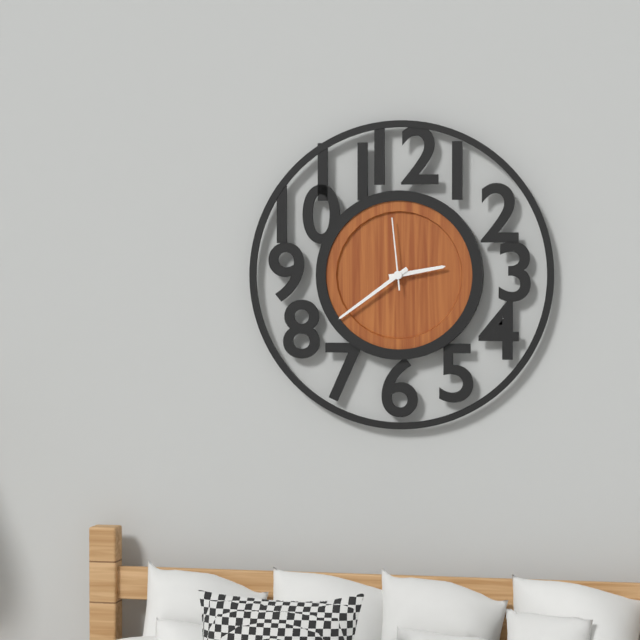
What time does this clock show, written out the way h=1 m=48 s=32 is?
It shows h=2 m=39 s=59
